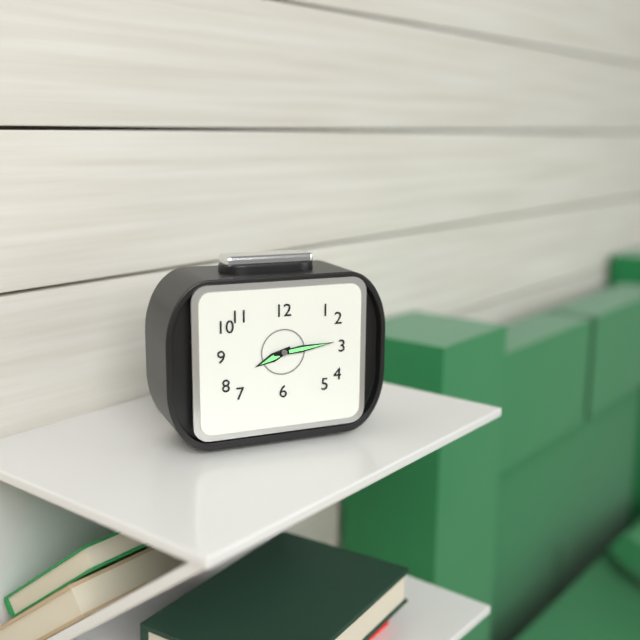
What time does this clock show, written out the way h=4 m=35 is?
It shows h=8 m=14
